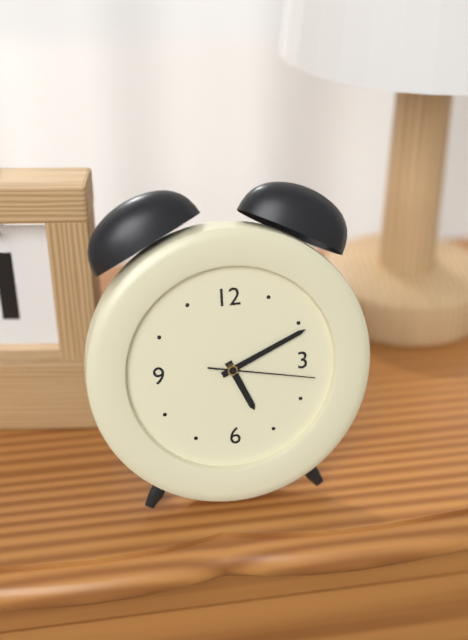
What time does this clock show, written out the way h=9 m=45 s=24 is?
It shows h=5 m=11 s=17
